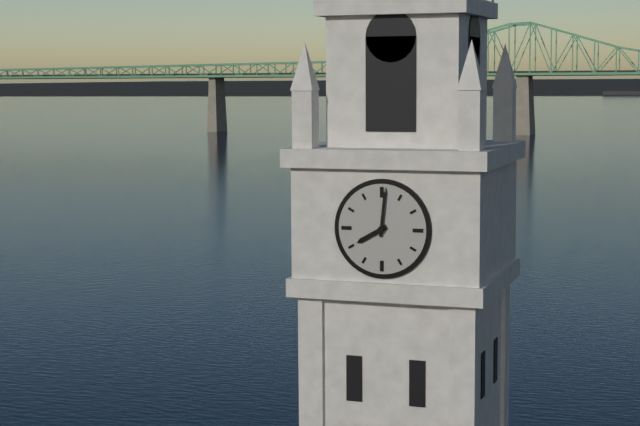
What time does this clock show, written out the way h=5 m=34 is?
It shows h=8 m=1
